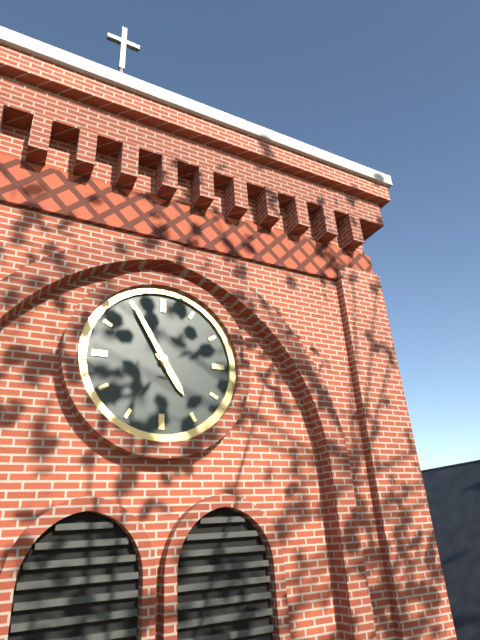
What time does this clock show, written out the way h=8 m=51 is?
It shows h=4 m=55
